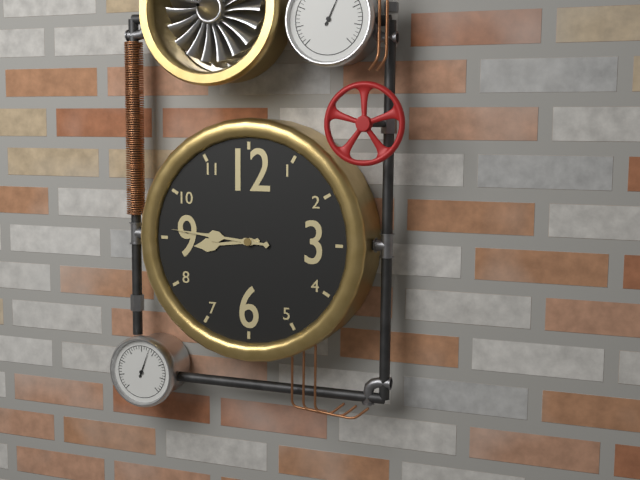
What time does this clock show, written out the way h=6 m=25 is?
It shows h=8 m=46
